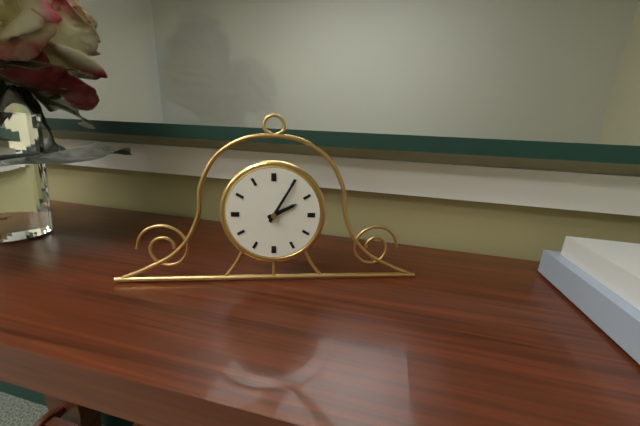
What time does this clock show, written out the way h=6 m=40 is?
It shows h=2 m=5
